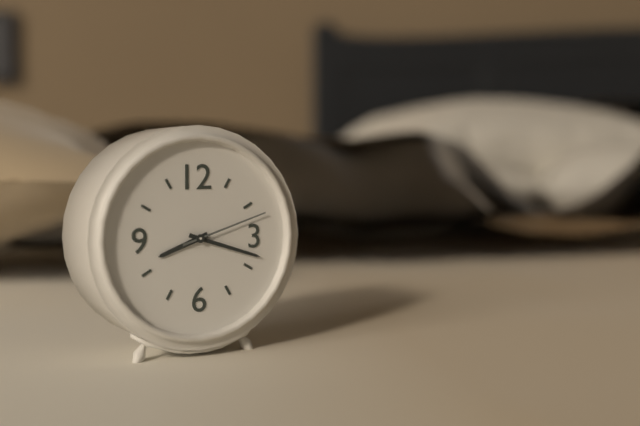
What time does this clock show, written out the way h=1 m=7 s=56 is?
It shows h=8 m=18 s=12
